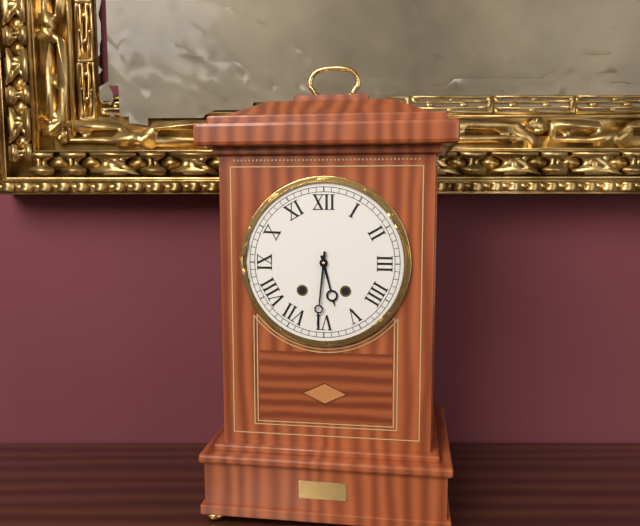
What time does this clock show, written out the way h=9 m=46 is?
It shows h=5 m=31
